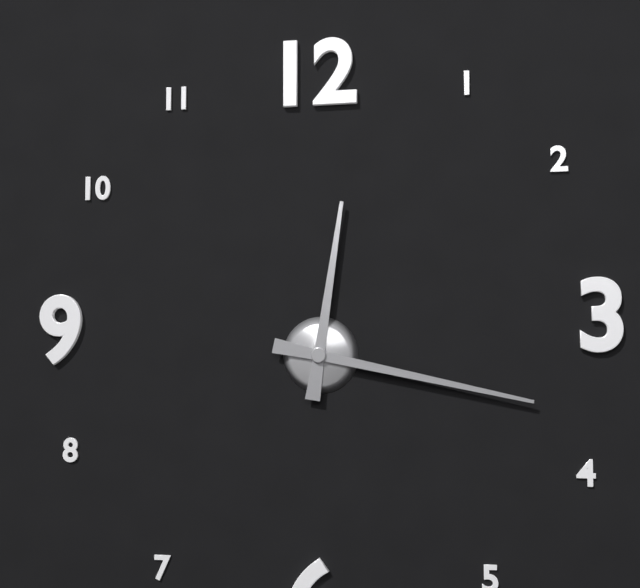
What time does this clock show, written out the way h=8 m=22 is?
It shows h=12 m=17
